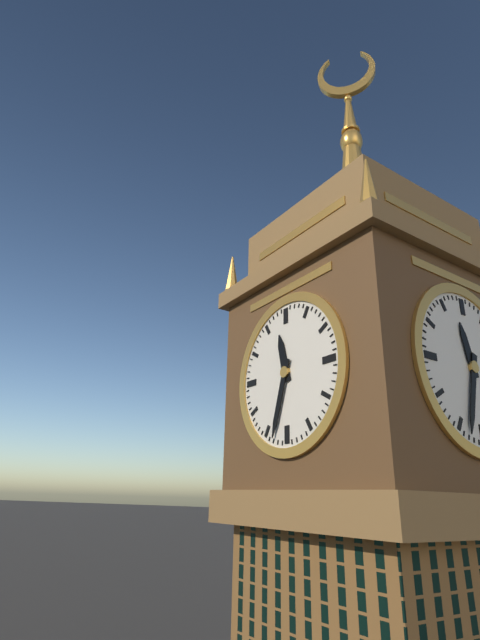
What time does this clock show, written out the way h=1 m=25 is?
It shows h=11 m=33
